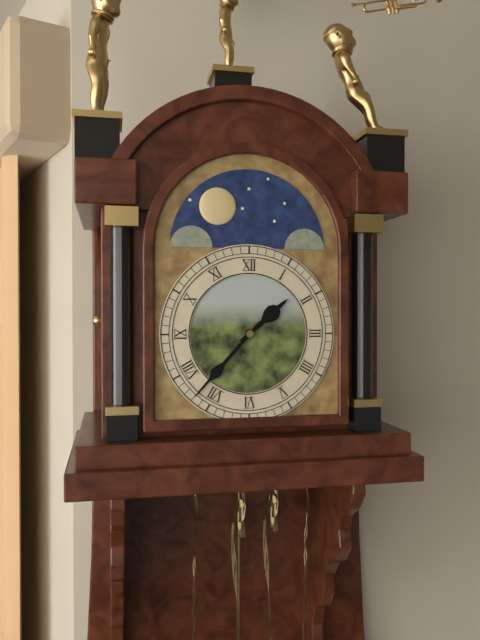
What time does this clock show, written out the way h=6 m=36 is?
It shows h=1 m=37
